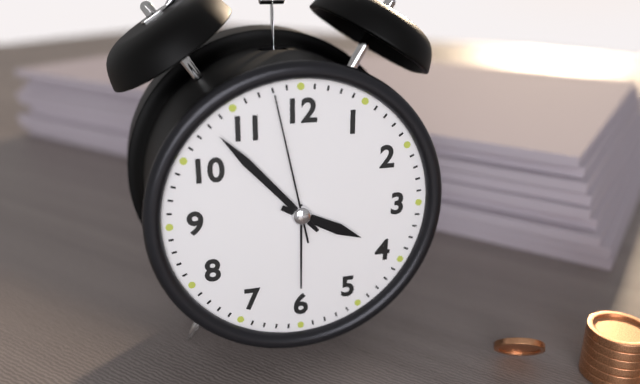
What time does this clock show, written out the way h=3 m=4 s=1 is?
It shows h=3 m=53 s=58
